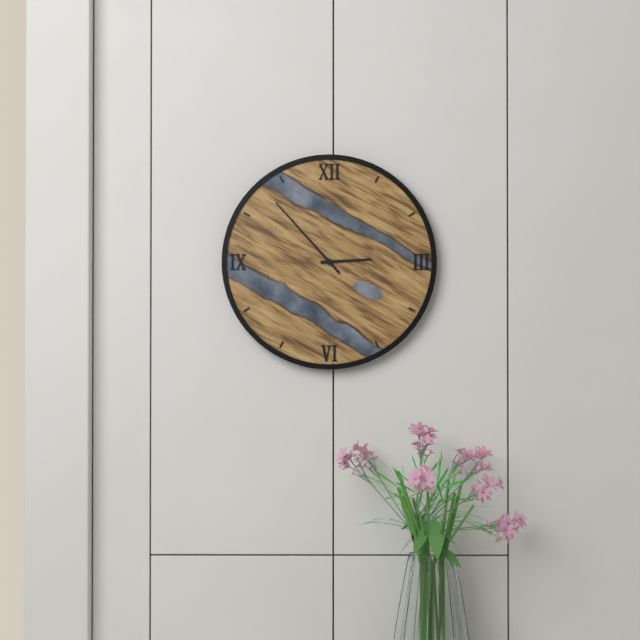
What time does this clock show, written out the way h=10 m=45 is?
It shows h=2 m=53
